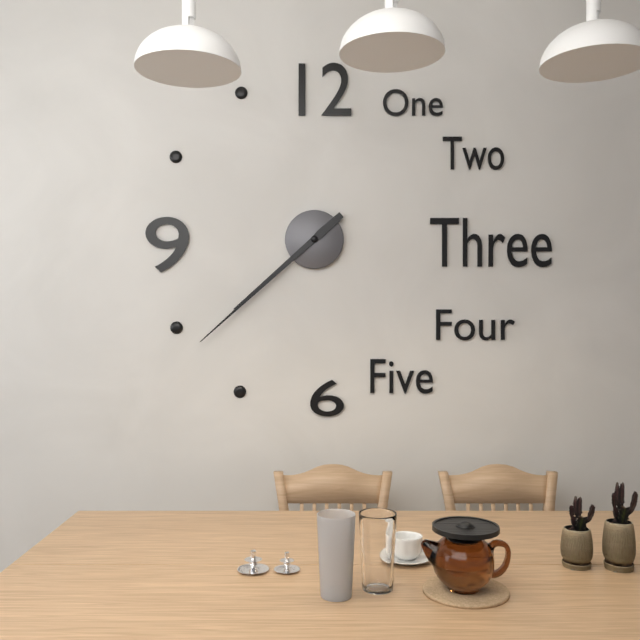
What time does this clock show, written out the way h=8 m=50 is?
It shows h=7 m=38
